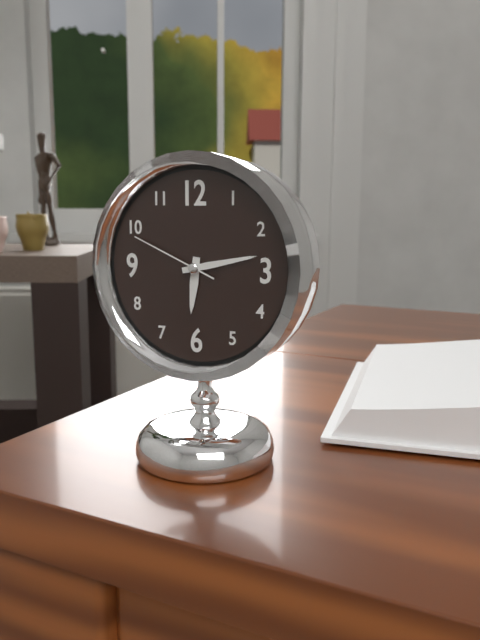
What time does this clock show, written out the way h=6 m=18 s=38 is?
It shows h=6 m=13 s=49
